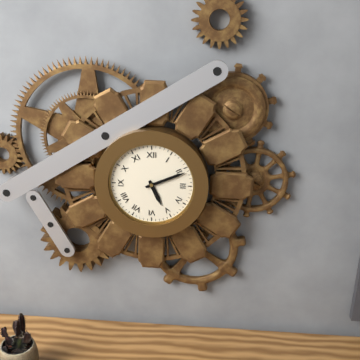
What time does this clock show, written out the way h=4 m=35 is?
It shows h=5 m=11
